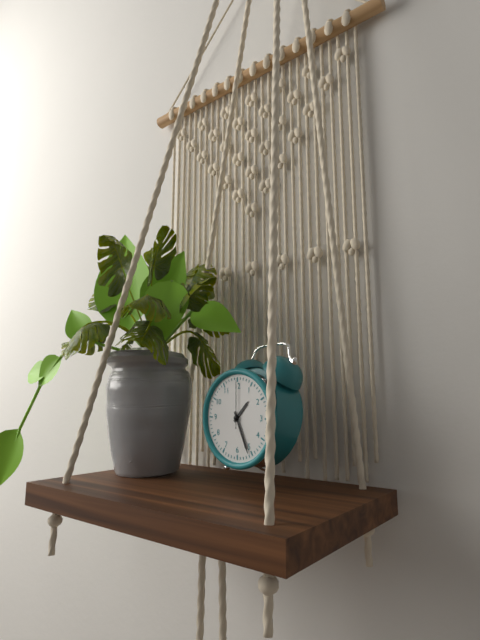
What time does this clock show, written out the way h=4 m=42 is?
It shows h=1 m=26
